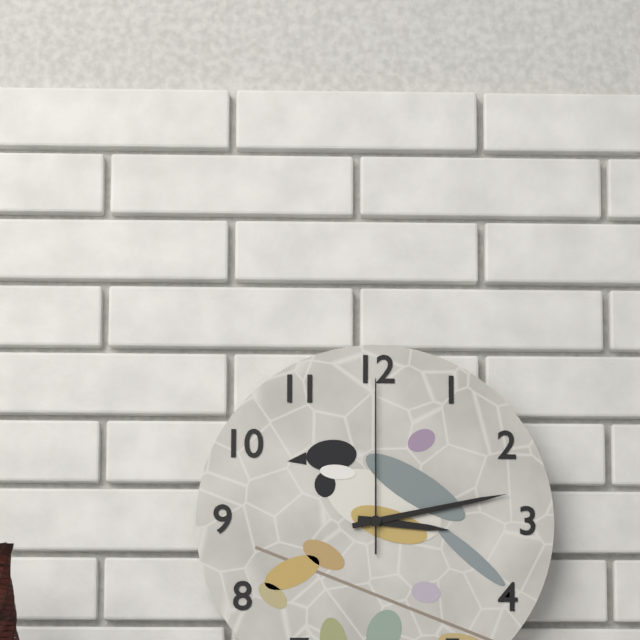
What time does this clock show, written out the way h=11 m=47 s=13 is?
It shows h=3 m=13 s=0
